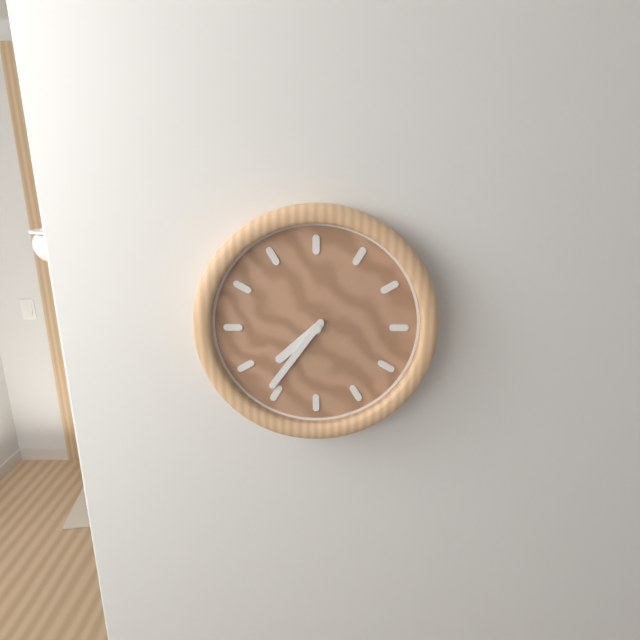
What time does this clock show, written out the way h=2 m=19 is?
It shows h=7 m=36
